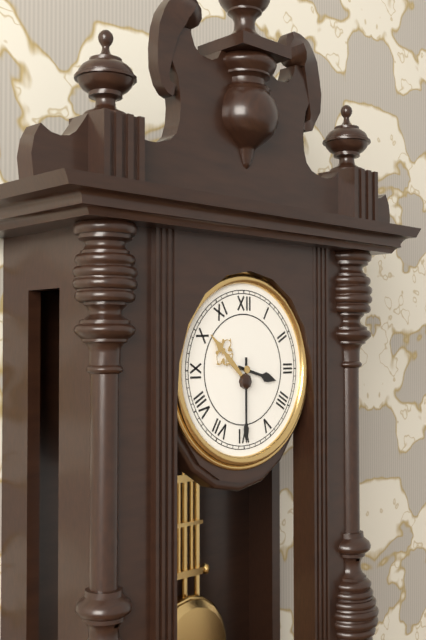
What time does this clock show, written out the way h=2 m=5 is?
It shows h=3 m=30
